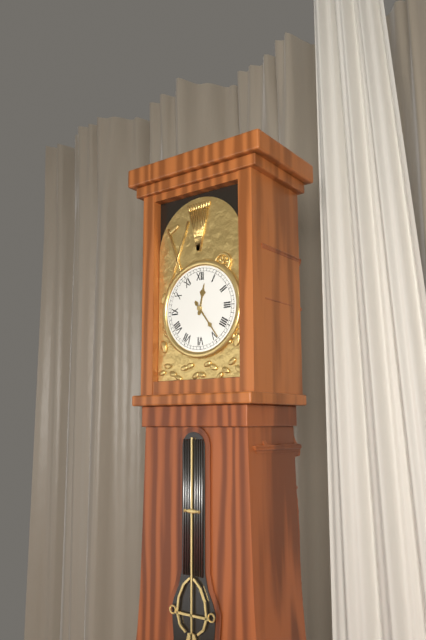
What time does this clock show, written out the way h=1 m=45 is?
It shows h=12 m=24
